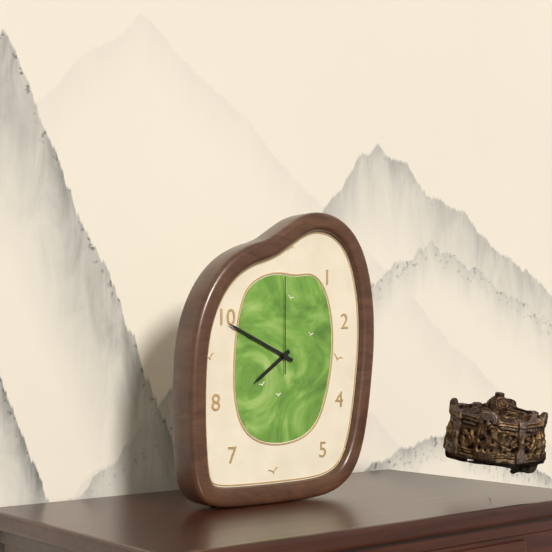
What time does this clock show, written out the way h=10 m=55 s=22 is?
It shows h=7 m=49 s=0
